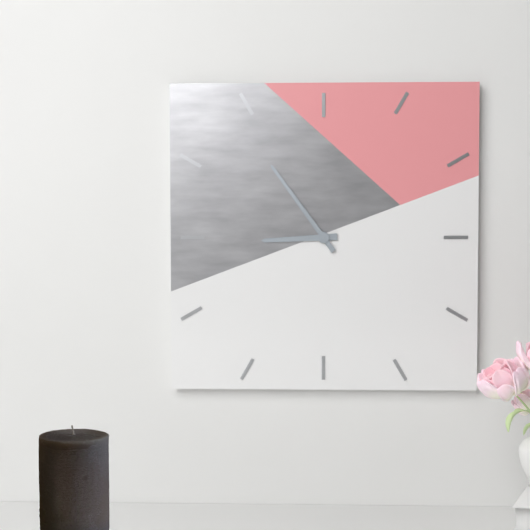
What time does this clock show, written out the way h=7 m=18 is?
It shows h=8 m=54
